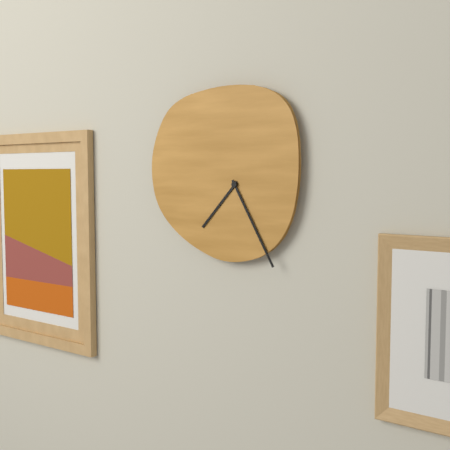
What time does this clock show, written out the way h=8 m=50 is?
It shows h=7 m=25
